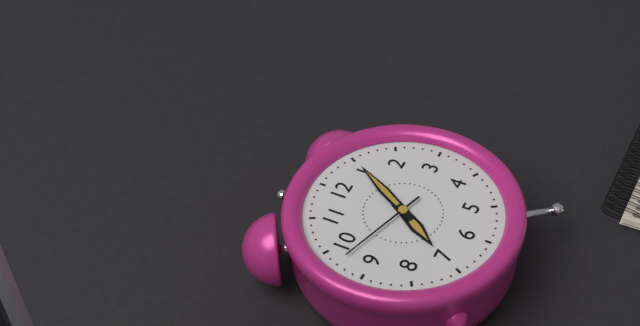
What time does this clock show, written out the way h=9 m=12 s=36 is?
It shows h=7 m=5 s=48
